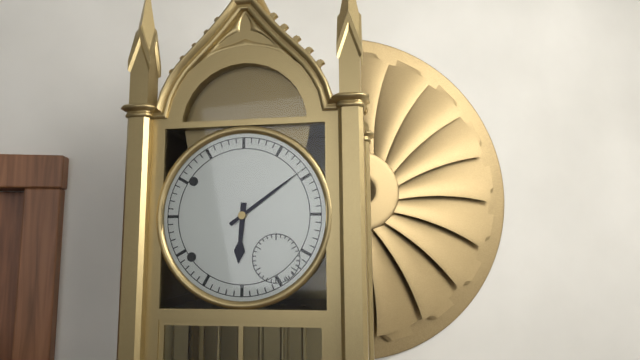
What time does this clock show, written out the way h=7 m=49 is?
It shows h=6 m=9
